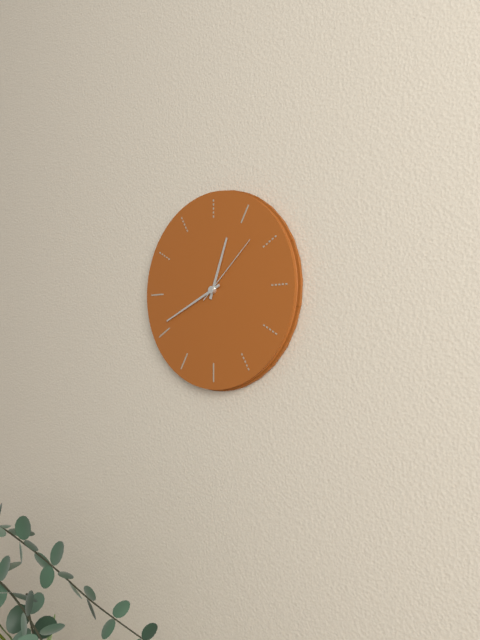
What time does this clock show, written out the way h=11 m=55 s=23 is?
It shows h=12 m=41 s=8
